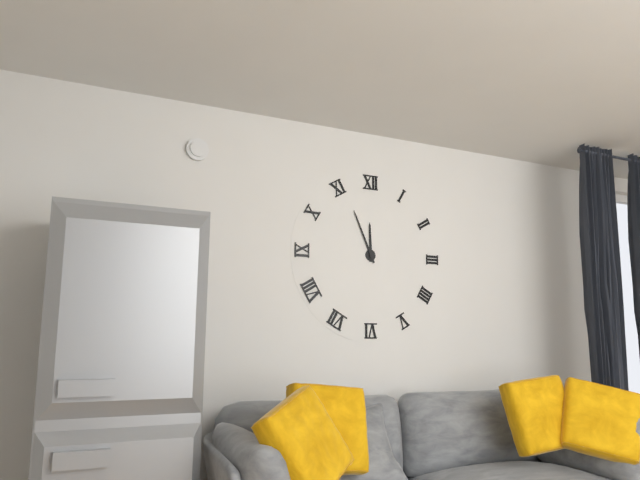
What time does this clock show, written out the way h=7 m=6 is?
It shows h=11 m=56
